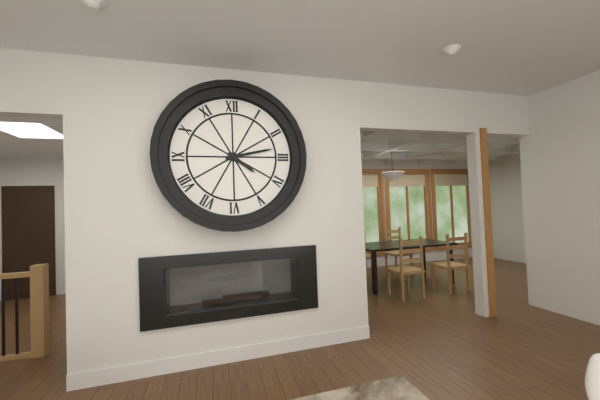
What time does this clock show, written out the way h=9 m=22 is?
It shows h=4 m=13
